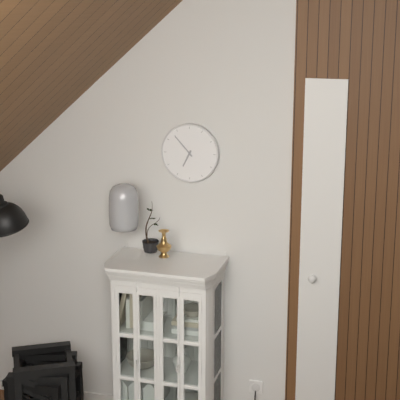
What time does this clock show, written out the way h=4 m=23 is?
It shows h=6 m=53
